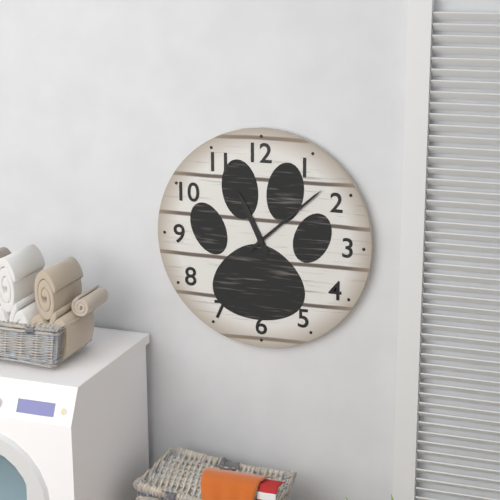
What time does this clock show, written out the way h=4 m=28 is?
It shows h=11 m=8
